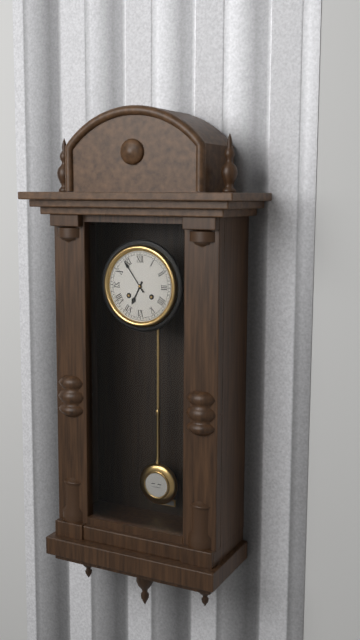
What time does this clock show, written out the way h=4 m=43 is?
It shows h=6 m=54
